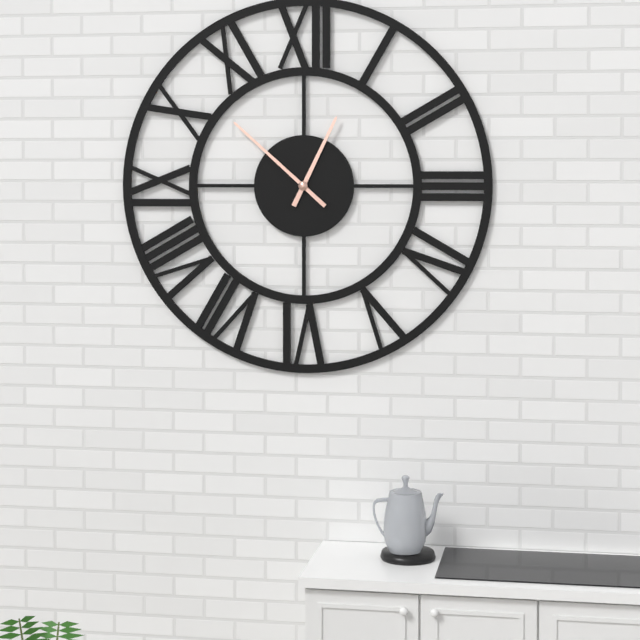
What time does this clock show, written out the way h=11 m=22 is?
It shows h=12 m=52
